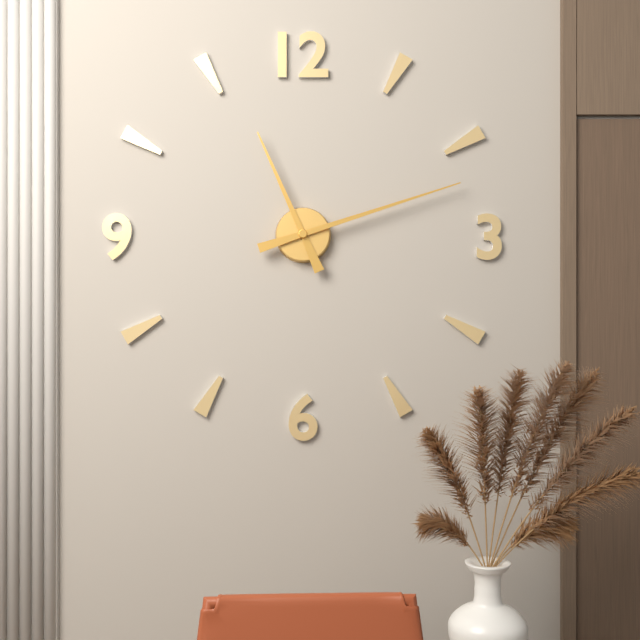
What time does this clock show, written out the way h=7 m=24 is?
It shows h=11 m=12
